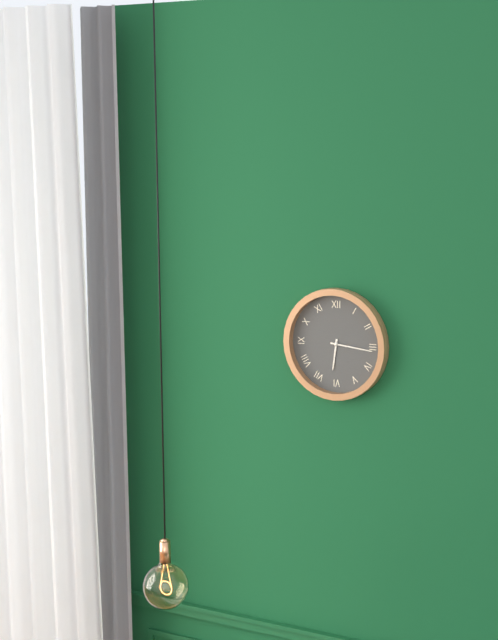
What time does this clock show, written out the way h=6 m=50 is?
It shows h=6 m=16
